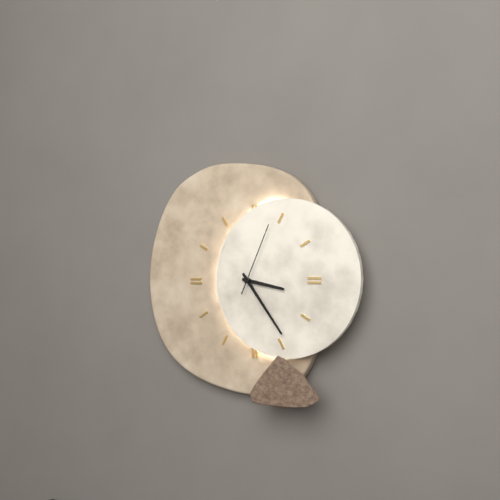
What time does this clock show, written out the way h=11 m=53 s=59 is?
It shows h=3 m=24 s=4
